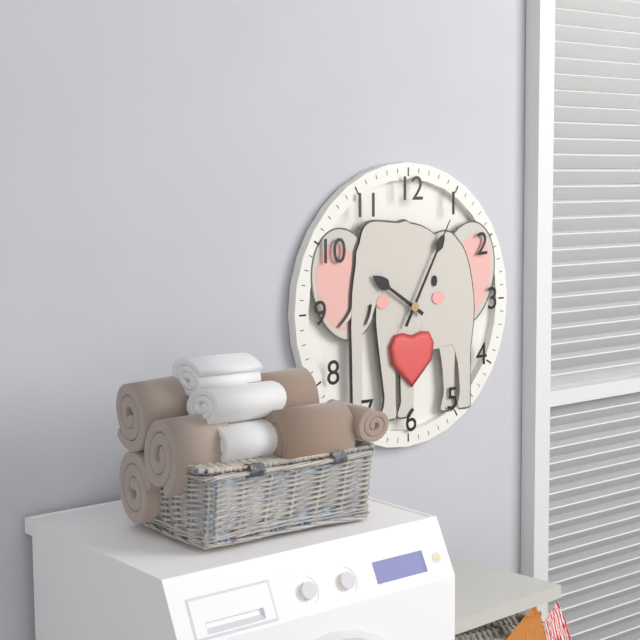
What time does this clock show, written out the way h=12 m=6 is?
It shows h=10 m=5
